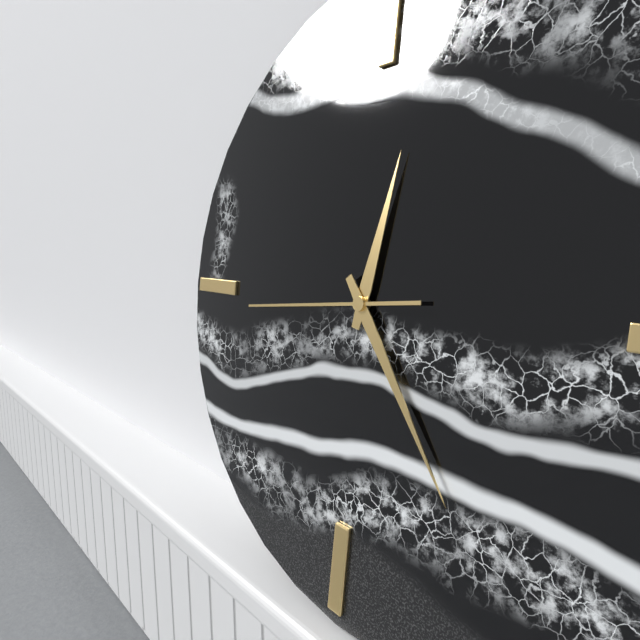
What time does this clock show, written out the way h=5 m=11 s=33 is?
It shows h=12 m=24 s=44
